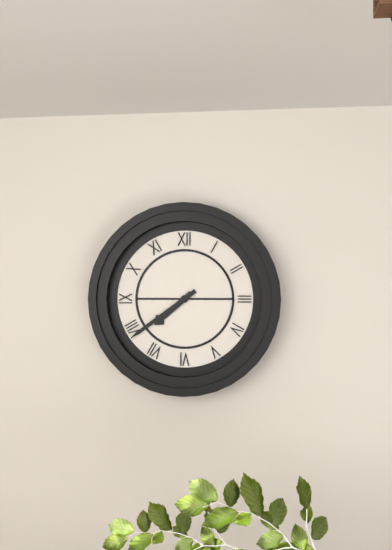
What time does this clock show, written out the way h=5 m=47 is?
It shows h=7 m=39
